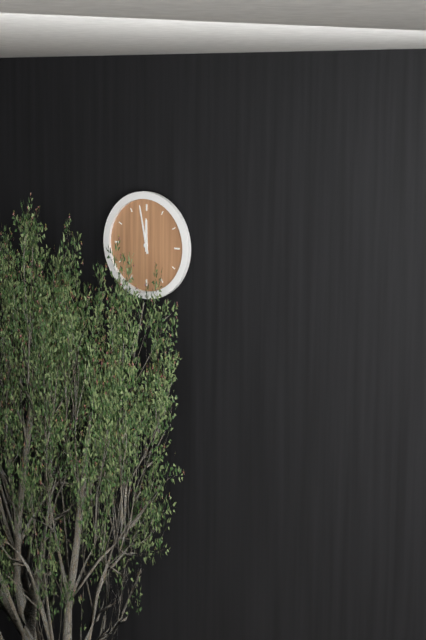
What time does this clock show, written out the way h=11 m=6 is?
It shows h=11 m=58
